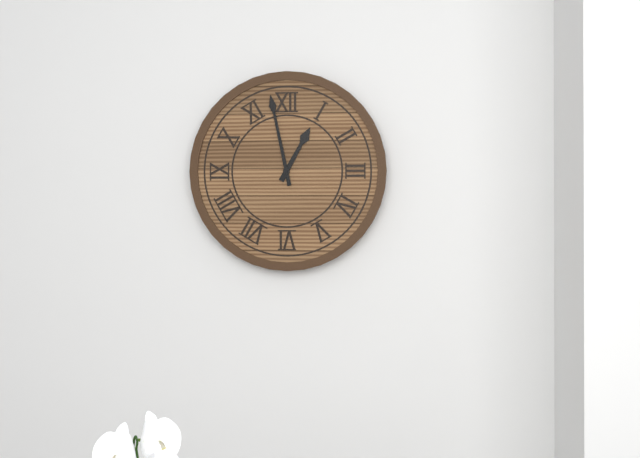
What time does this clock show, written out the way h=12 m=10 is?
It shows h=12 m=58
